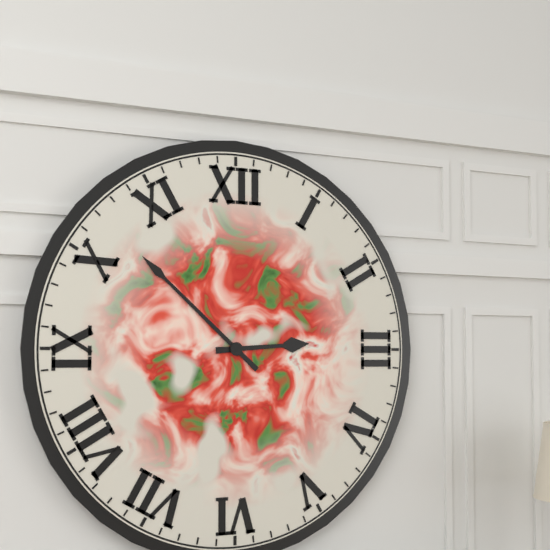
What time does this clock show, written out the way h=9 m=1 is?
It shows h=2 m=52
